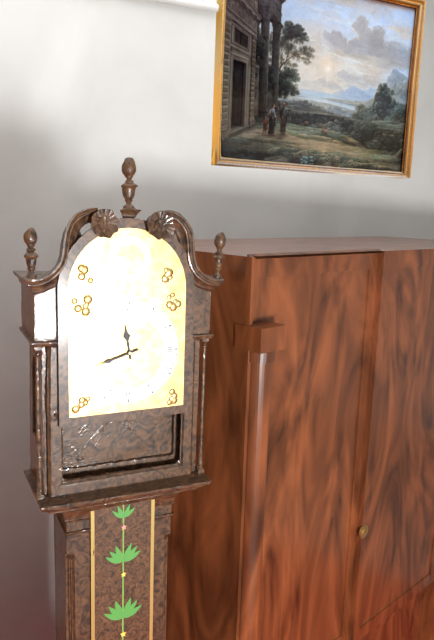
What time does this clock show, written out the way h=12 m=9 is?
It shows h=11 m=42
